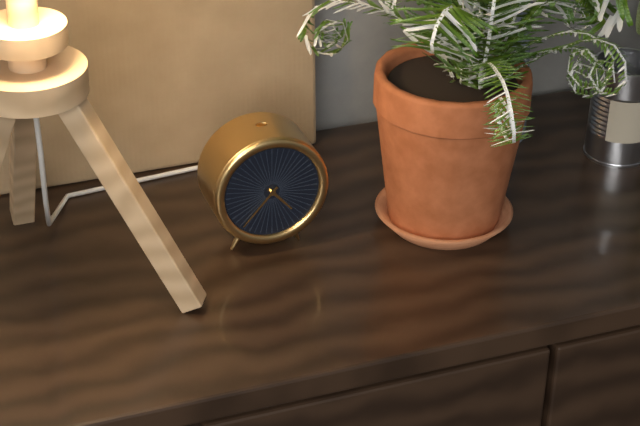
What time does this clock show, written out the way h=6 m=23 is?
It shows h=4 m=37
